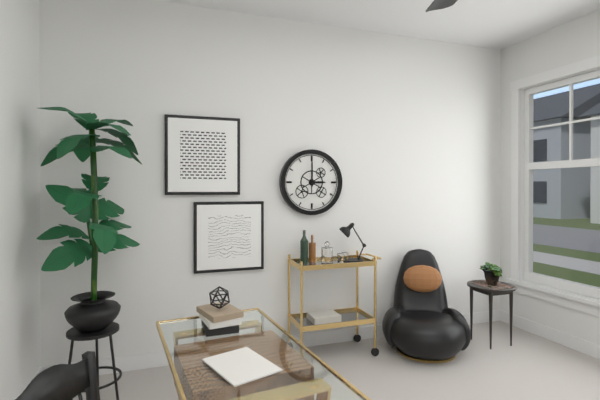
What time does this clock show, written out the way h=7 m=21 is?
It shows h=3 m=0
